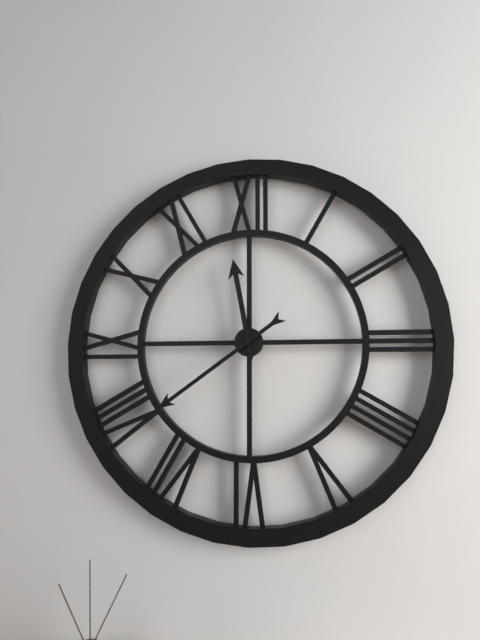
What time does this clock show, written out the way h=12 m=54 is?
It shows h=11 m=39
